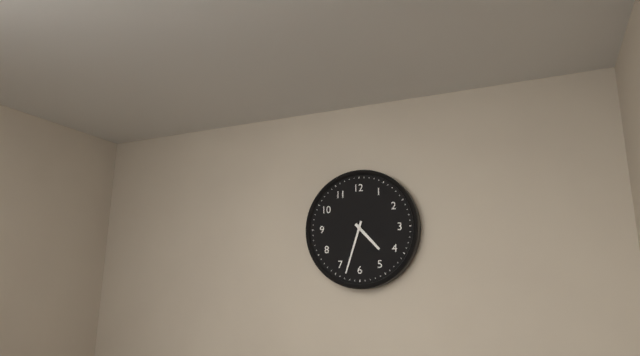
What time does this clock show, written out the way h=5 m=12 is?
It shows h=4 m=33
